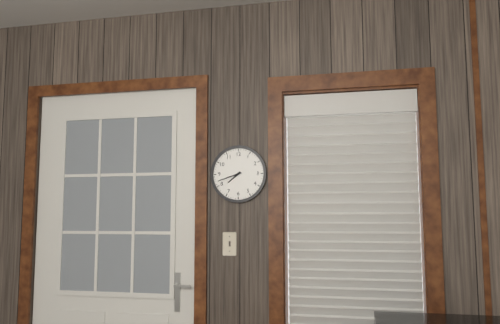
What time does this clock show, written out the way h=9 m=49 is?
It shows h=7 m=42
